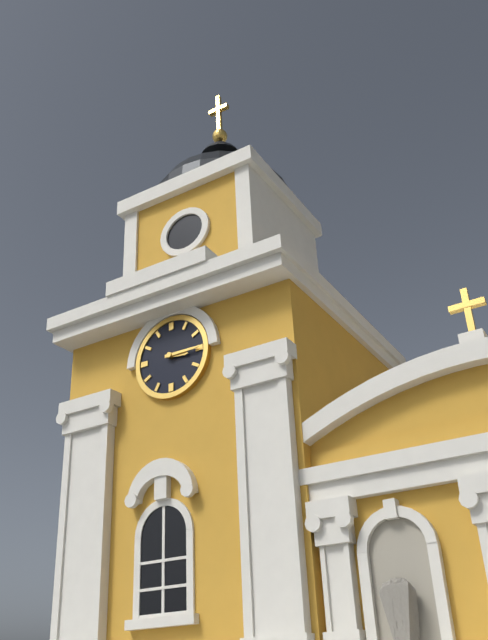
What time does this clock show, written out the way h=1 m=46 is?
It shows h=3 m=15
